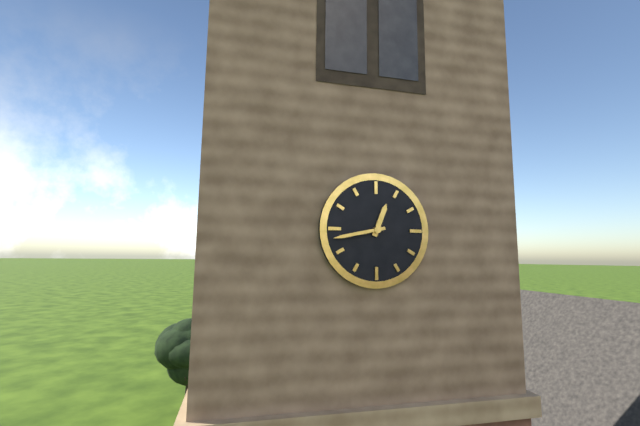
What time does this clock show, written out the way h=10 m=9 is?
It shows h=12 m=43
